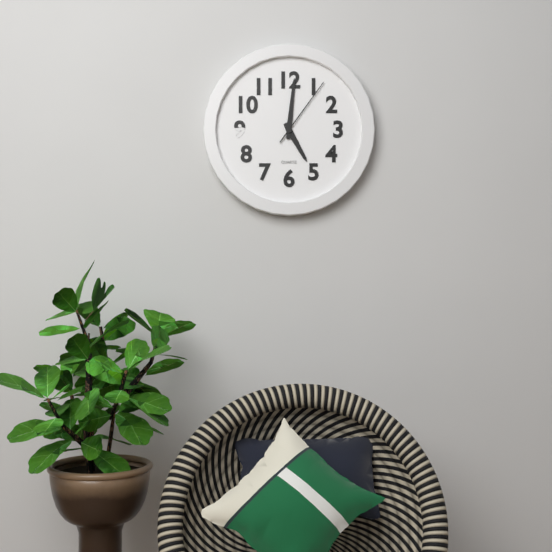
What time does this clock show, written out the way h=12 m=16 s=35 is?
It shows h=5 m=1 s=6
